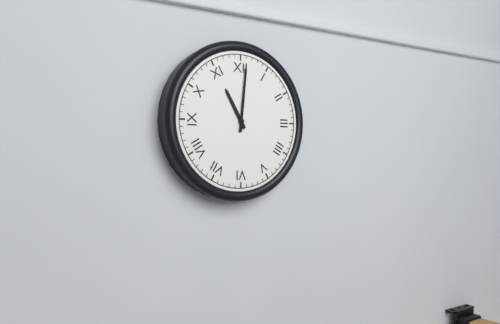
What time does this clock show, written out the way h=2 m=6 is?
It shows h=11 m=1
